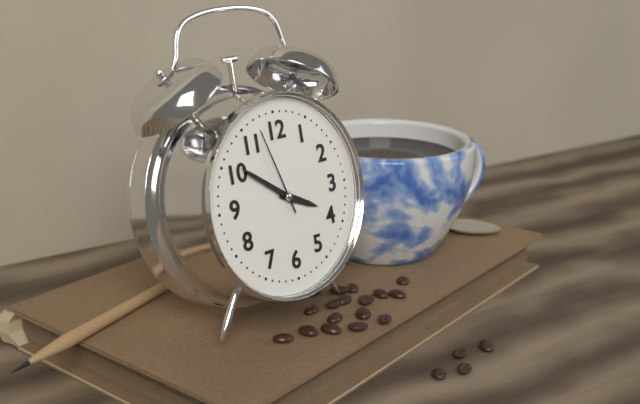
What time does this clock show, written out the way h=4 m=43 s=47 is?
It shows h=3 m=51 s=57
